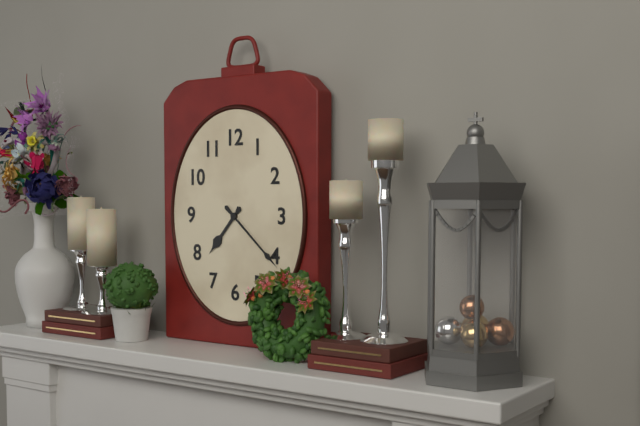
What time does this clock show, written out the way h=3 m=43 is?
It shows h=7 m=22
